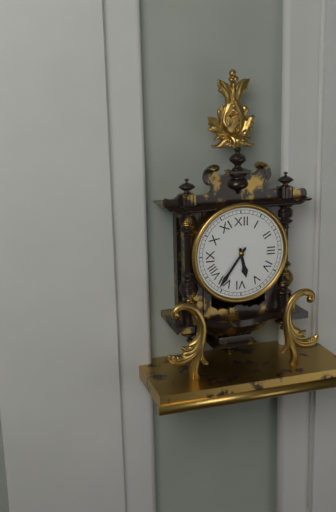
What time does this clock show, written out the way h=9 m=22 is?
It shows h=5 m=36
